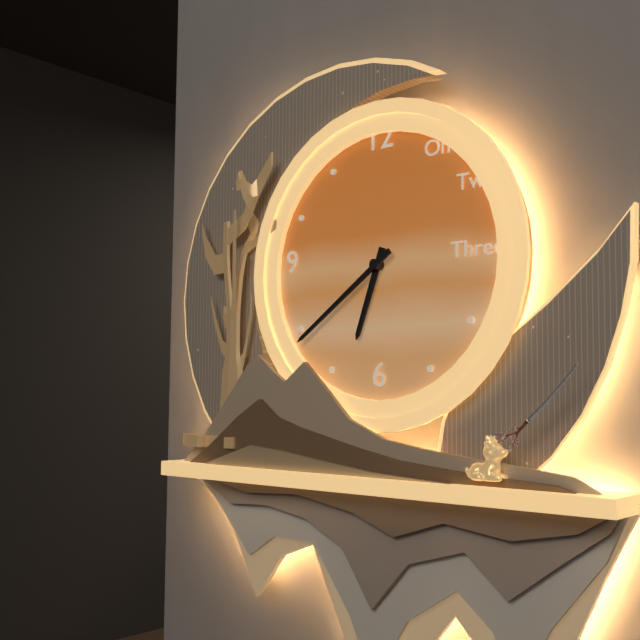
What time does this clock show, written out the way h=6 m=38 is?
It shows h=6 m=39
